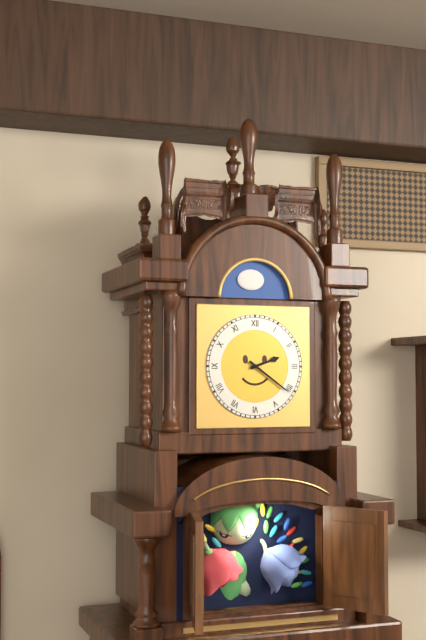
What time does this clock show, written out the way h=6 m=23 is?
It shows h=2 m=21
